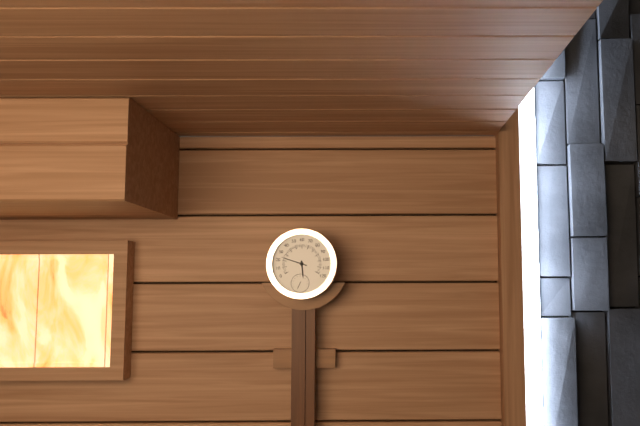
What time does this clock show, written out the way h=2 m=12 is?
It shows h=5 m=48
